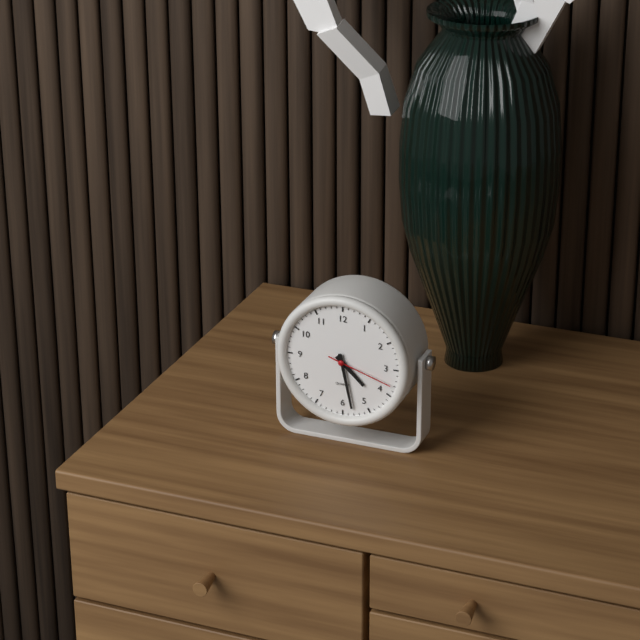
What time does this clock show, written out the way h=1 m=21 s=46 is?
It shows h=4 m=28 s=18
